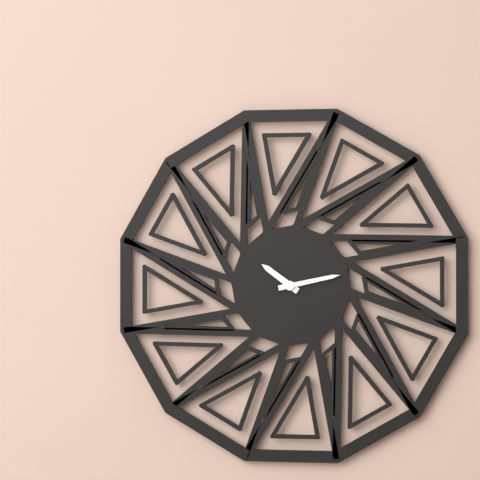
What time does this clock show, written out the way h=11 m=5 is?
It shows h=10 m=13
